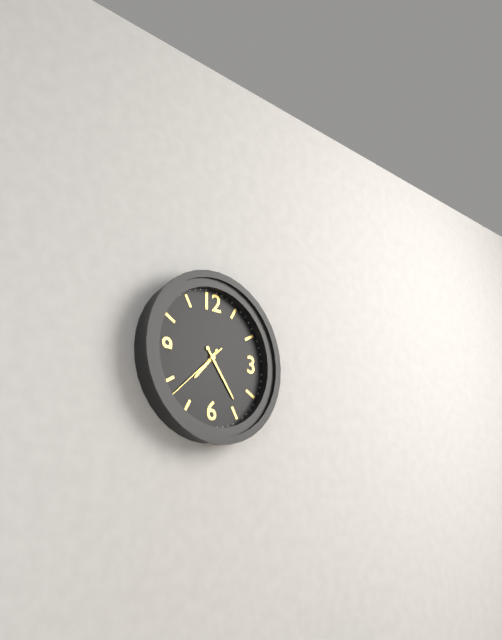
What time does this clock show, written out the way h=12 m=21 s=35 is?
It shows h=7 m=24 s=38
